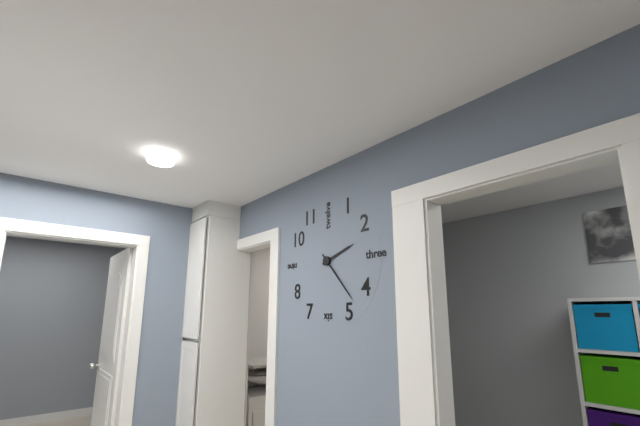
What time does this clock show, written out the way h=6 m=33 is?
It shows h=2 m=23
